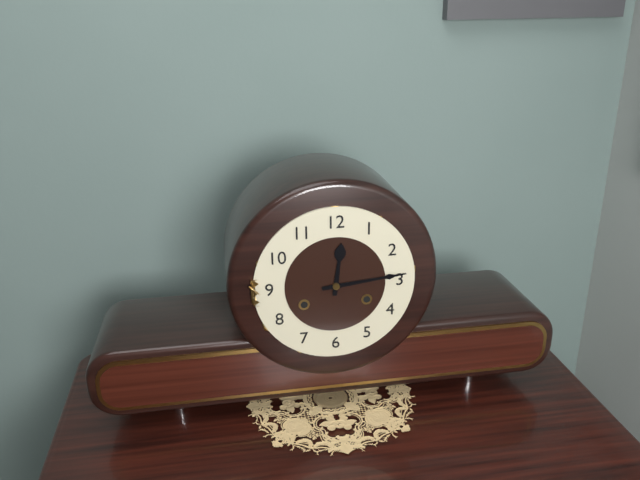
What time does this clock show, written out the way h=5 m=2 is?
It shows h=12 m=14
